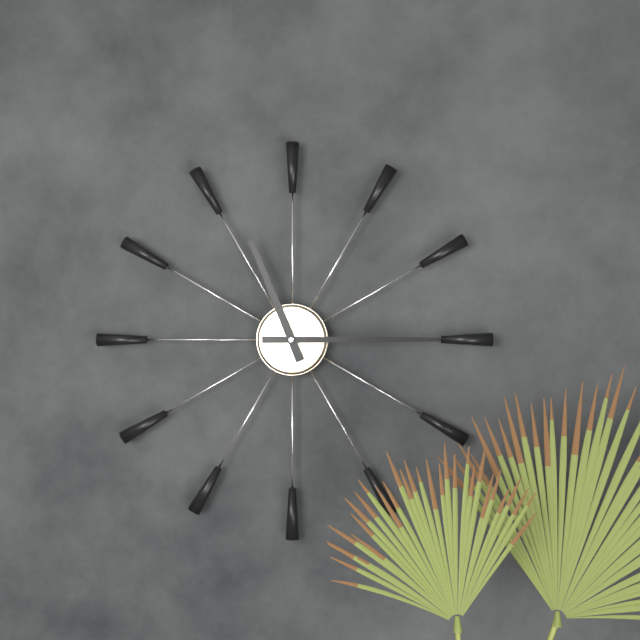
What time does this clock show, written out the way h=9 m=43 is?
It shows h=11 m=15
